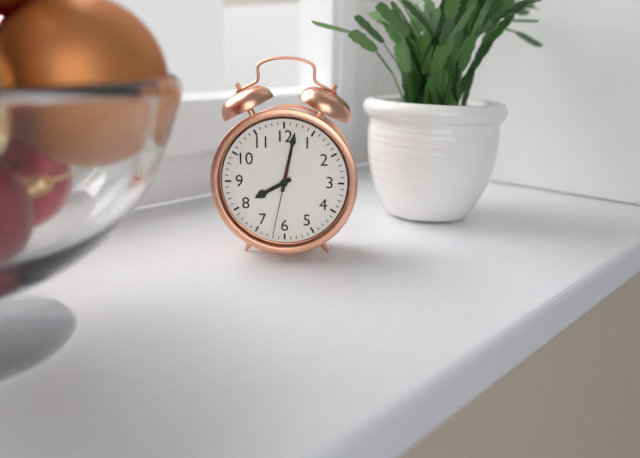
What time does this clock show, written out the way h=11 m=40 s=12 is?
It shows h=8 m=2 s=32
